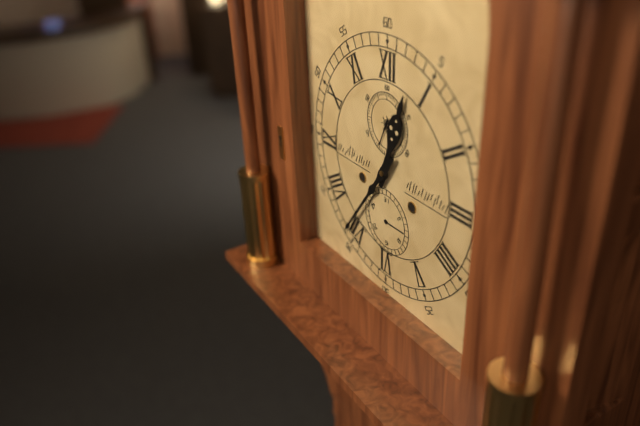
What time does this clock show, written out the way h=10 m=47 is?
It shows h=12 m=36
